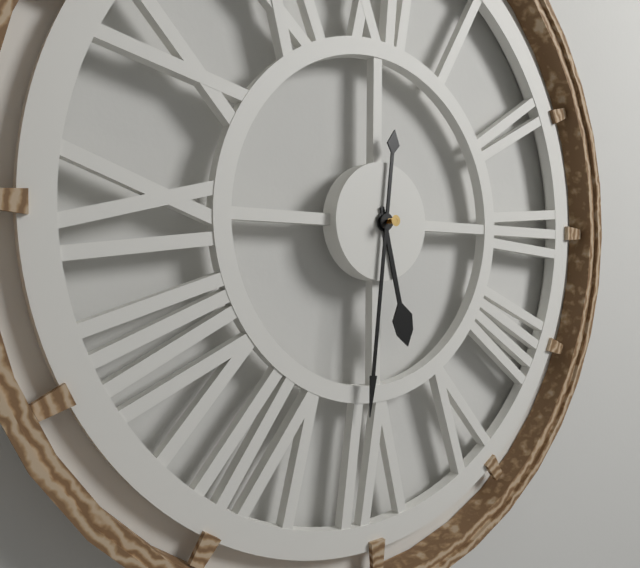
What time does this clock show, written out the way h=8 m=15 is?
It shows h=5 m=31
